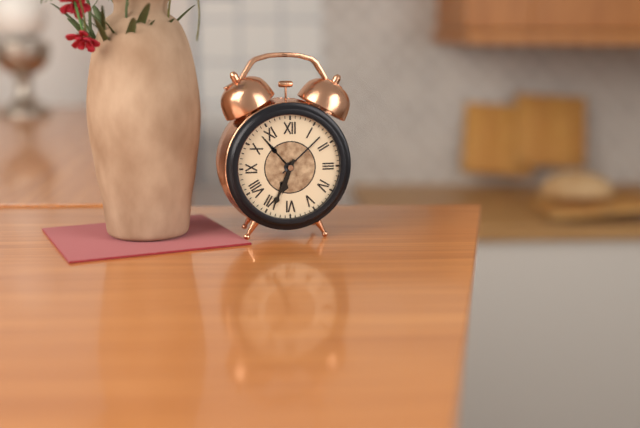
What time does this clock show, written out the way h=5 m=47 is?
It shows h=6 m=34
